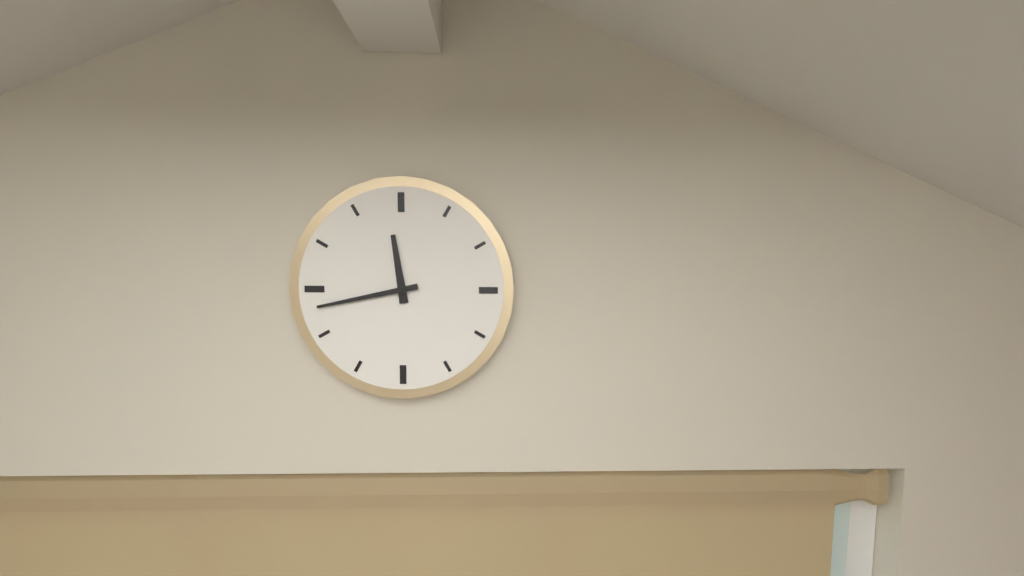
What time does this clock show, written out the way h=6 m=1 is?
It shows h=11 m=43
